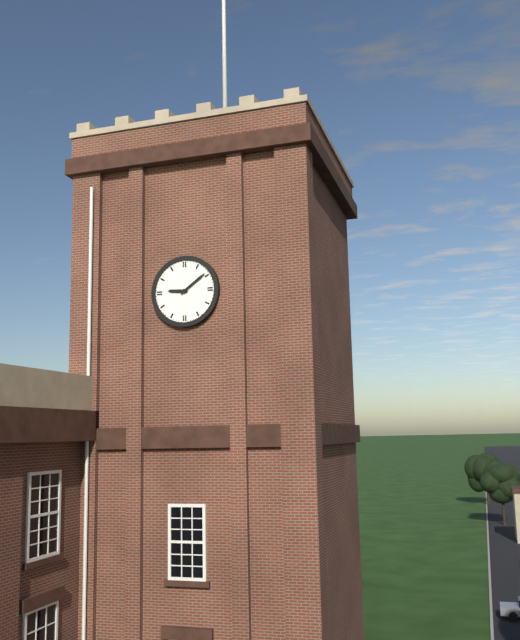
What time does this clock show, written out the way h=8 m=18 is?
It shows h=9 m=9
